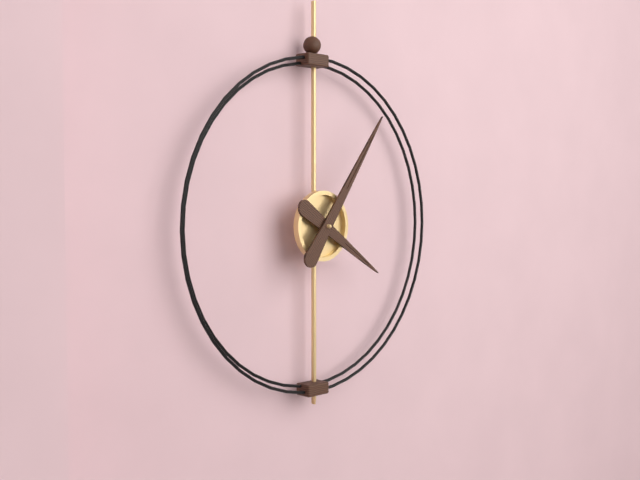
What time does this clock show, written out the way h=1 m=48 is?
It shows h=4 m=6
